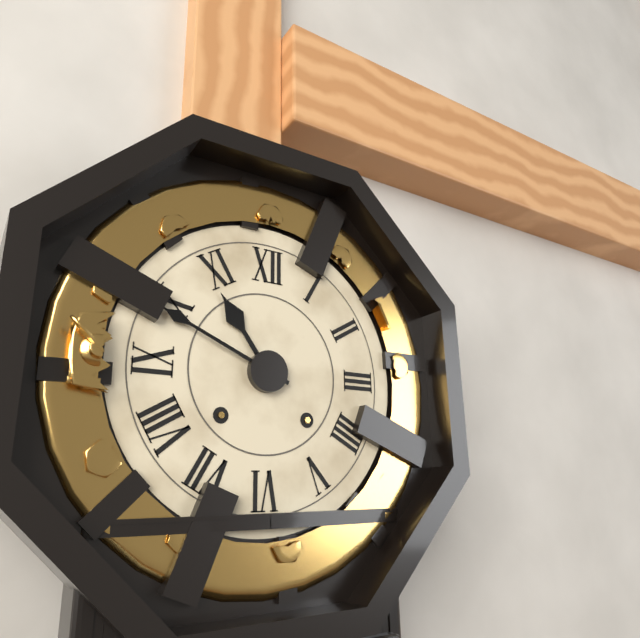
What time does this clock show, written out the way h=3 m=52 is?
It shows h=10 m=49
